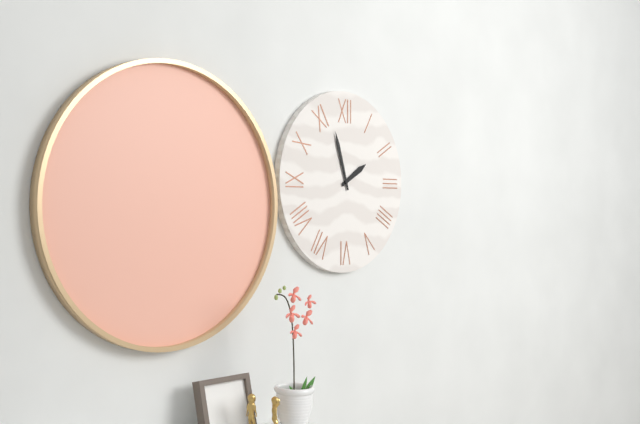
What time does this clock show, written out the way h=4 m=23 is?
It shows h=1 m=57
